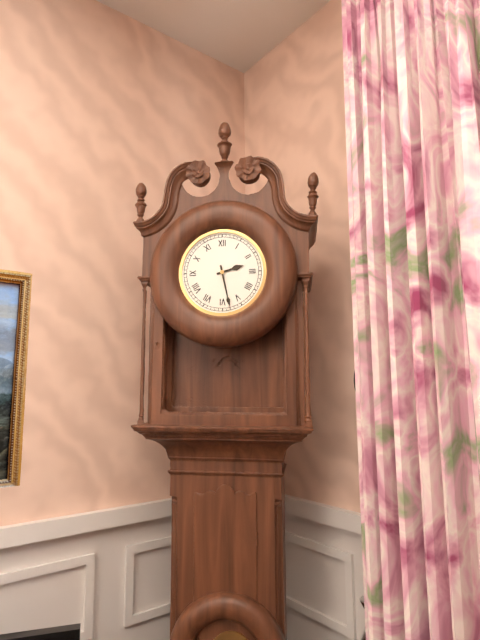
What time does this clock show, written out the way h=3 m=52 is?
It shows h=2 m=28
